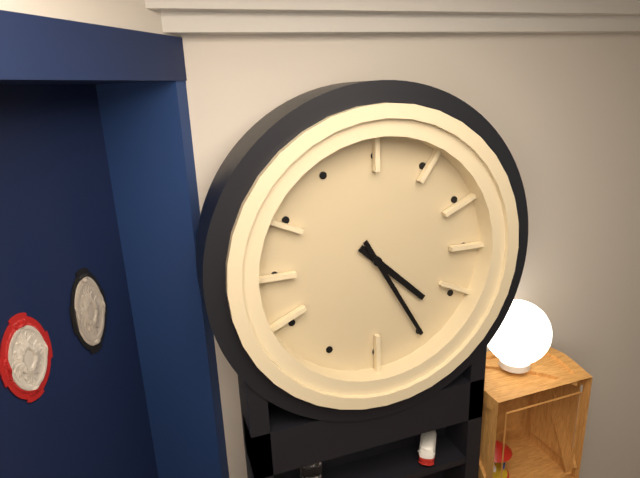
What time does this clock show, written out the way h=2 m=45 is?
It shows h=4 m=25
